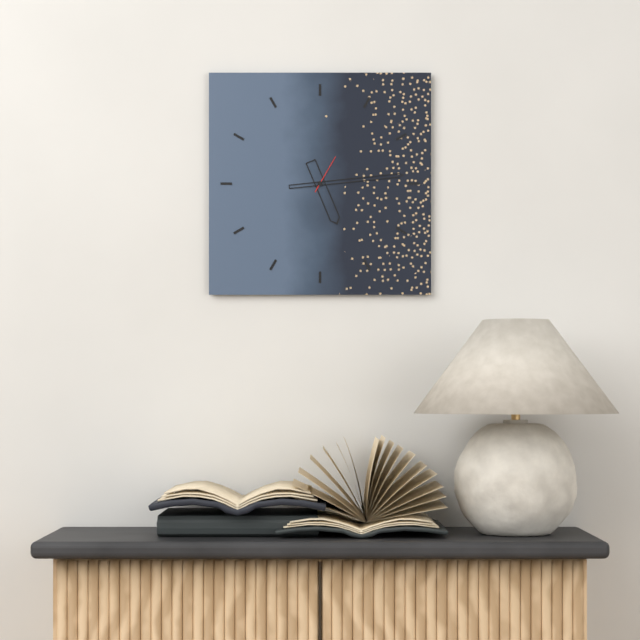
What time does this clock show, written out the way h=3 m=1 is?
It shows h=5 m=14
